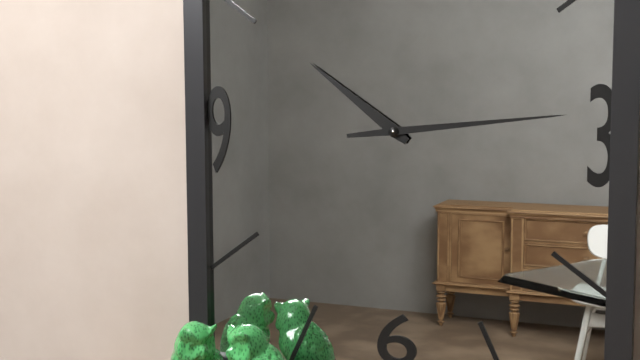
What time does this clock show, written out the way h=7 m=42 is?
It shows h=10 m=14
